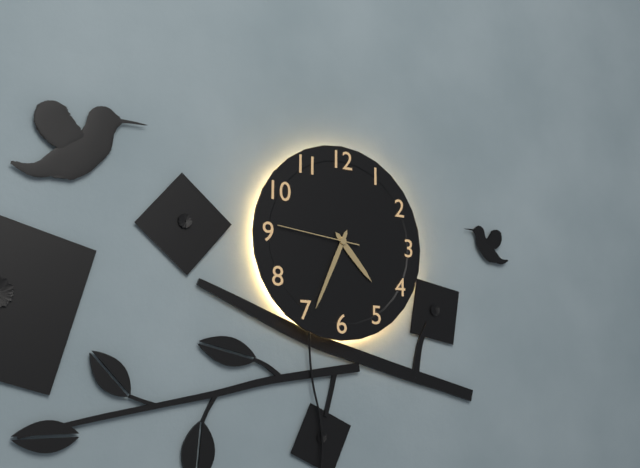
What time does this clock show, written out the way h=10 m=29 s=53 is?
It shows h=4 m=34 s=46
